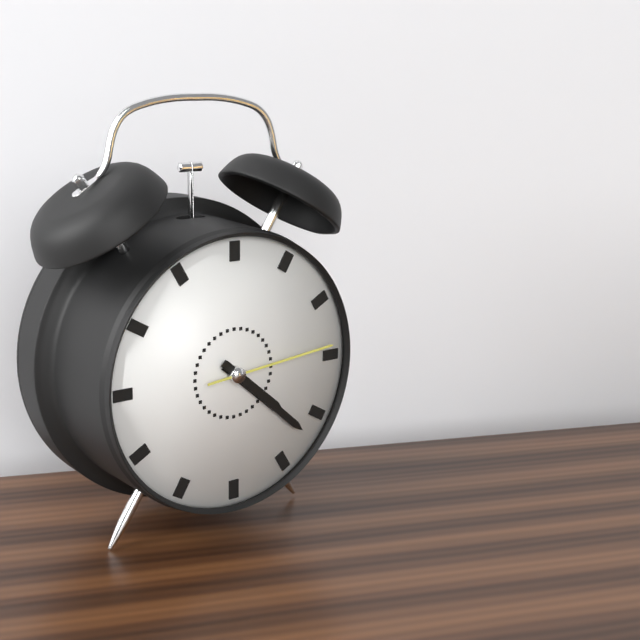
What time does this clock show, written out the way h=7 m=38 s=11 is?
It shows h=4 m=22 s=14
